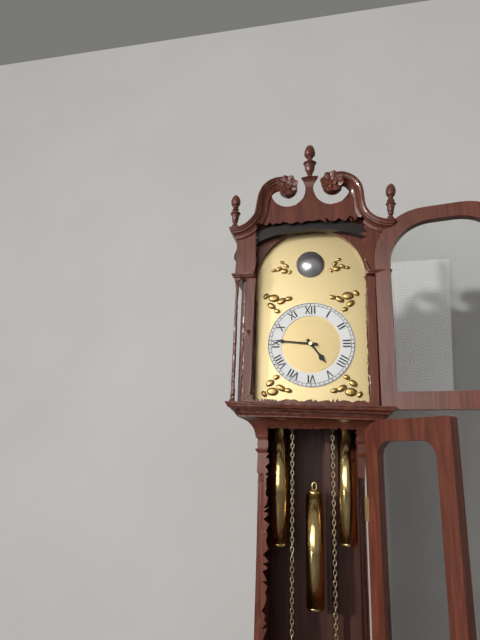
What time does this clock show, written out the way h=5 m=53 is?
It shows h=4 m=46
